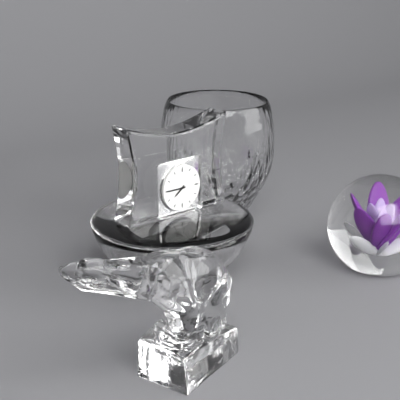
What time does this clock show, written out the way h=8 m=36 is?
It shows h=7 m=45
